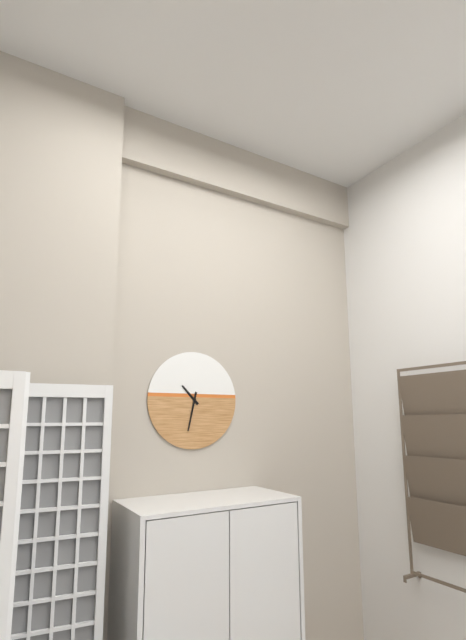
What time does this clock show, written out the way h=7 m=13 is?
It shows h=10 m=32
